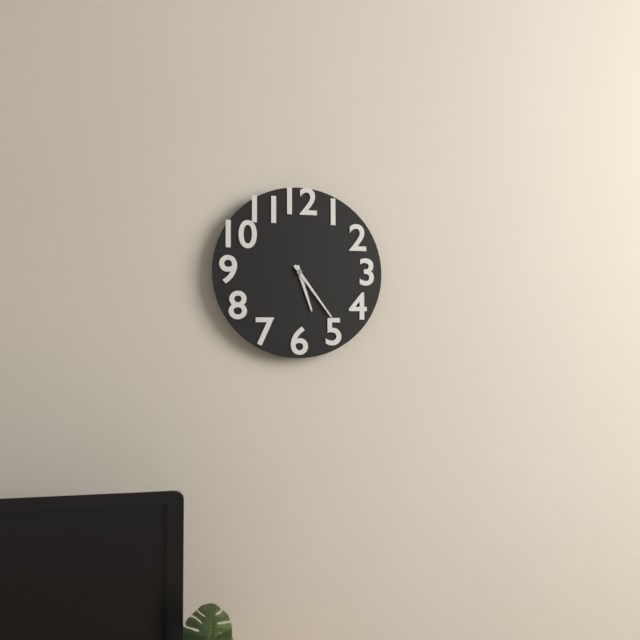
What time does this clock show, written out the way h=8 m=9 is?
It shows h=5 m=24
